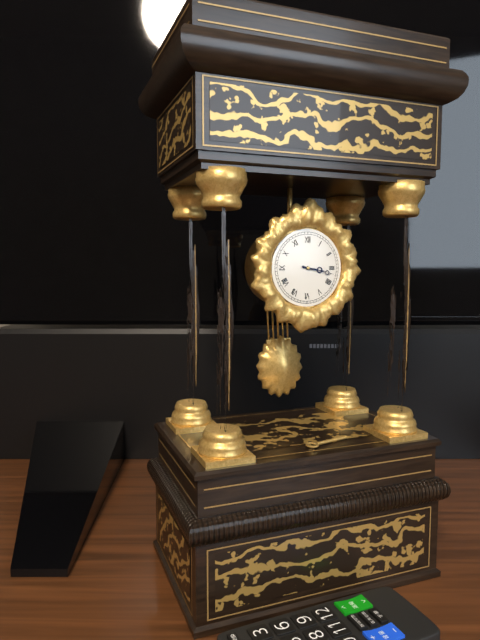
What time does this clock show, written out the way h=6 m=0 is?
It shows h=3 m=17
